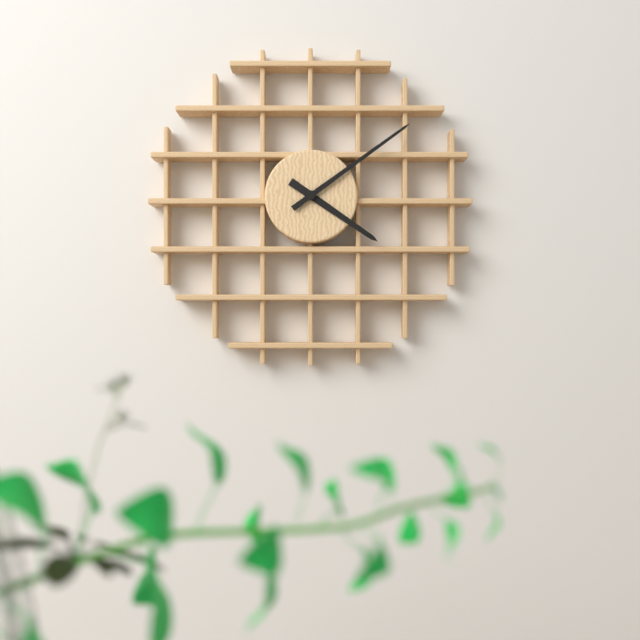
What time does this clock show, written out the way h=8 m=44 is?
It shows h=4 m=9
